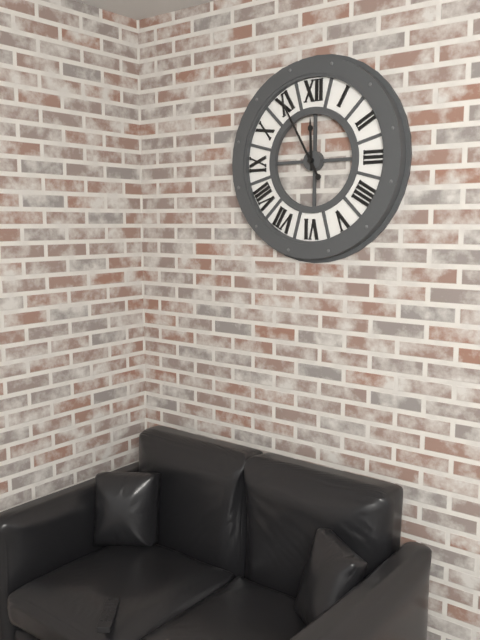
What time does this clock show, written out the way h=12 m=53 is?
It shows h=11 m=55
